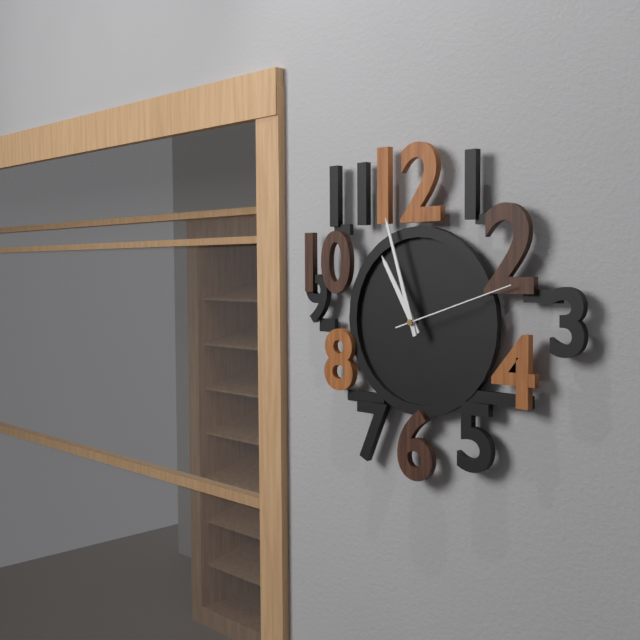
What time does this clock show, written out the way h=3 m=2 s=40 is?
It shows h=10 m=57 s=12
